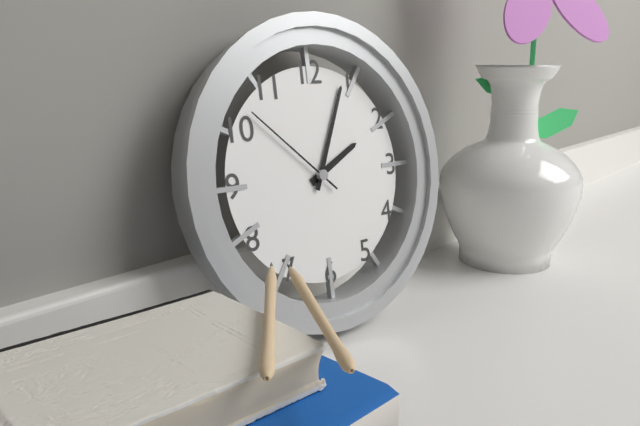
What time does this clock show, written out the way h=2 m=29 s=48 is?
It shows h=2 m=4 s=52
